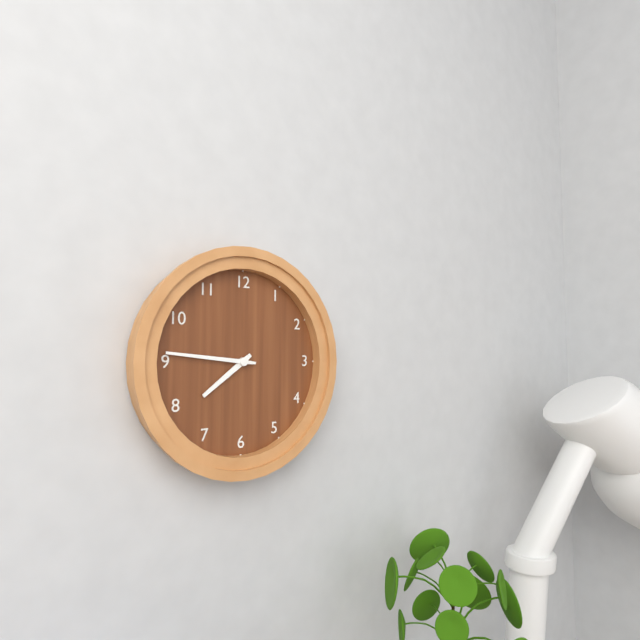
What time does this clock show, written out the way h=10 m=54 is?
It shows h=7 m=46
